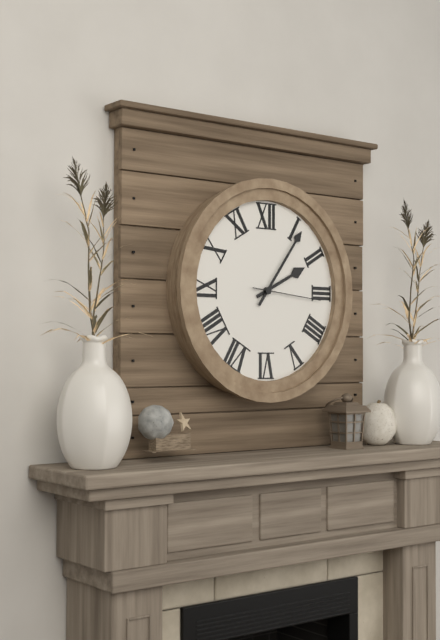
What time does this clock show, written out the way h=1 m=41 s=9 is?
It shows h=2 m=6 s=16
